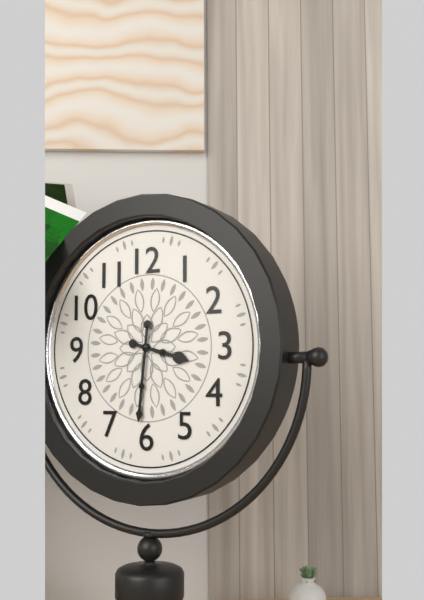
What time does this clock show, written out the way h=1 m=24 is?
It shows h=3 m=31
